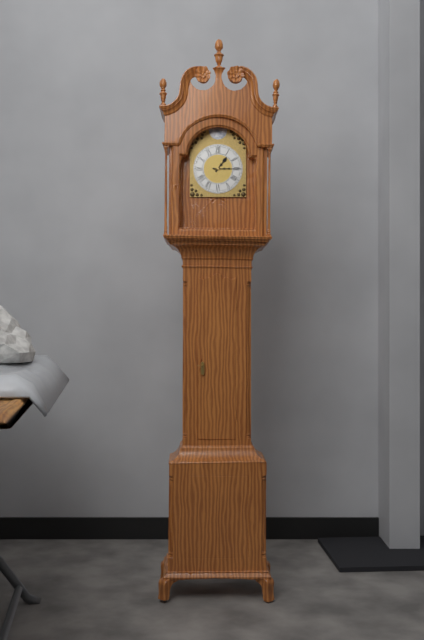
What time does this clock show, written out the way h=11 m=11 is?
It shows h=1 m=15
